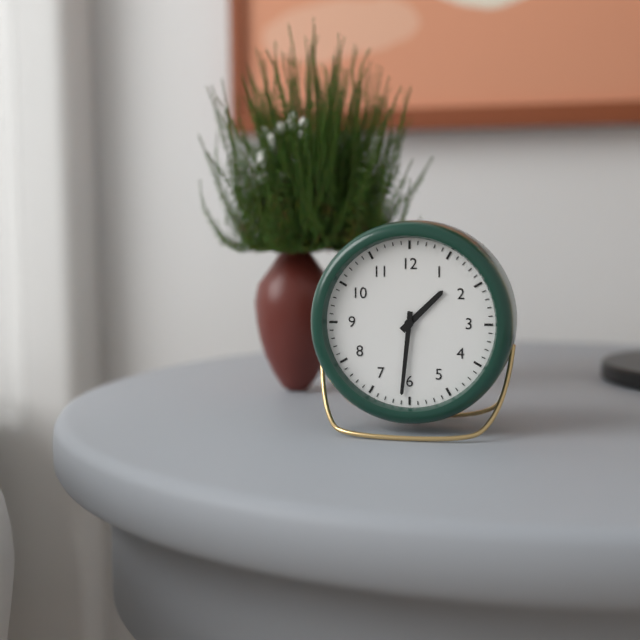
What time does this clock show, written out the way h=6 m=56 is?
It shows h=1 m=31
